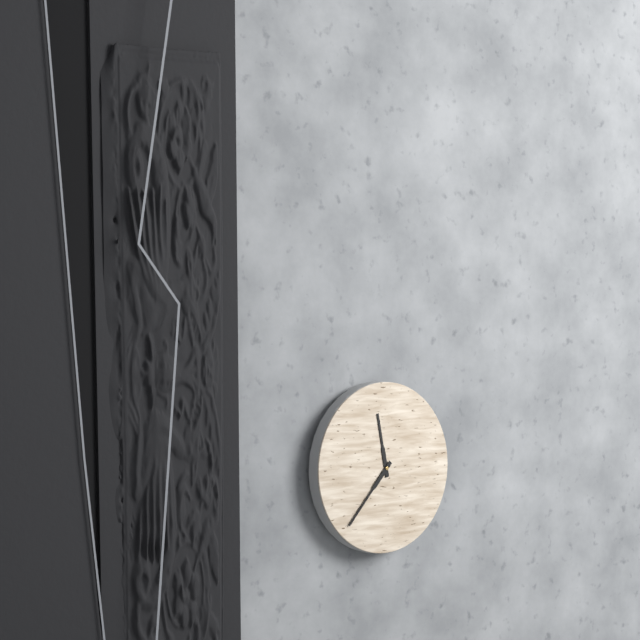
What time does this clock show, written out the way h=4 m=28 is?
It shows h=11 m=37
